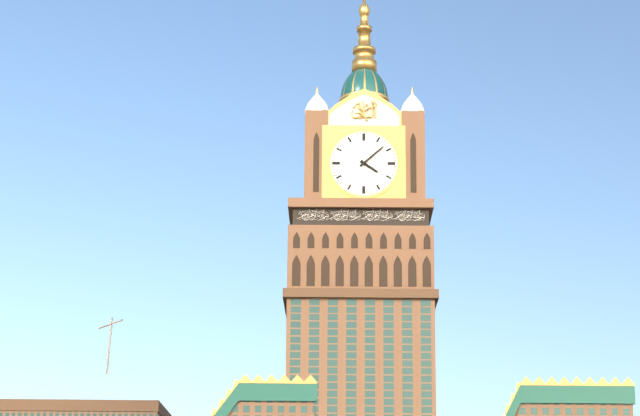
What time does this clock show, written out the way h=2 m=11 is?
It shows h=4 m=8
